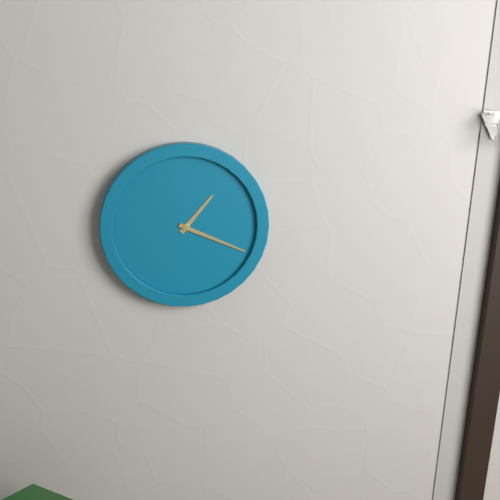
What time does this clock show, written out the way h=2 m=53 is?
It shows h=1 m=19
